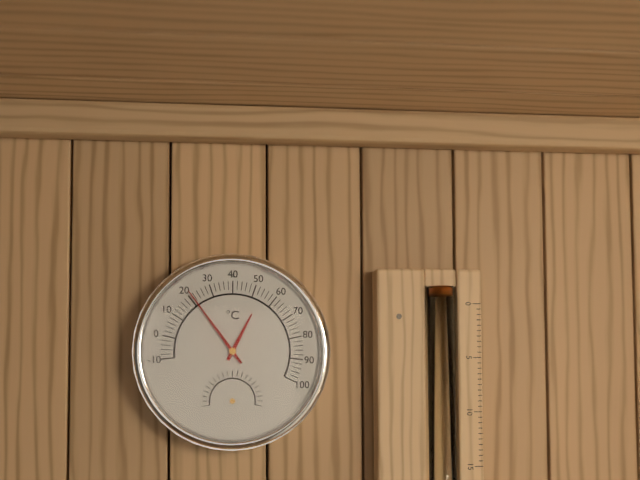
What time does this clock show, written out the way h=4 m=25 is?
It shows h=12 m=54
